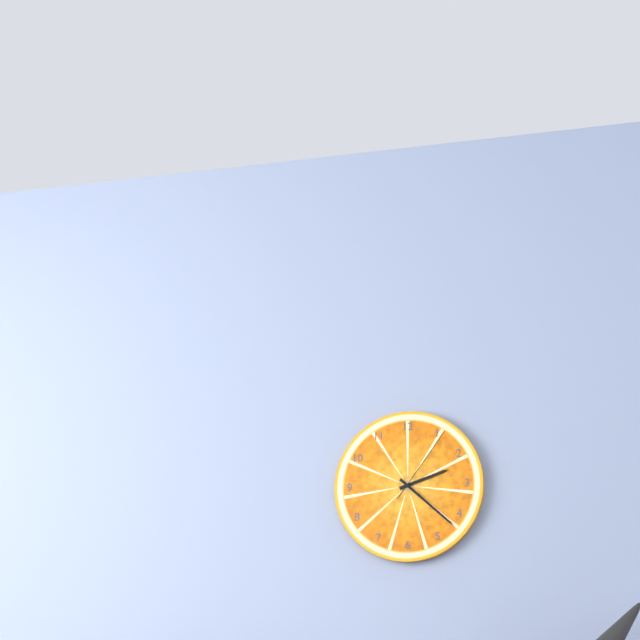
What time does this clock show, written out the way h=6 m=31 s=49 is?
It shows h=2 m=22 s=6
